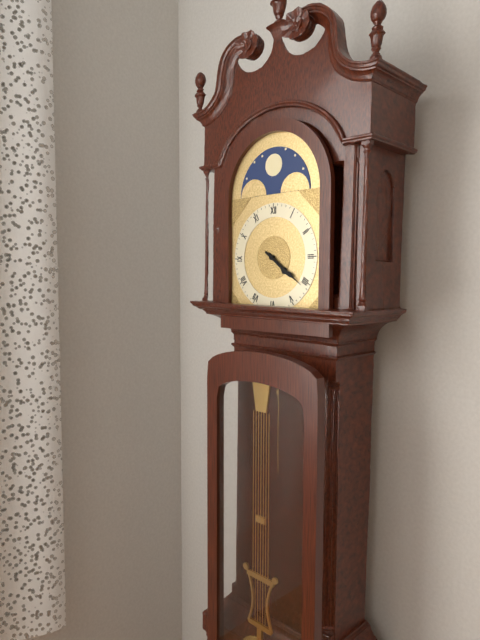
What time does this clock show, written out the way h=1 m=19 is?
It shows h=4 m=21
